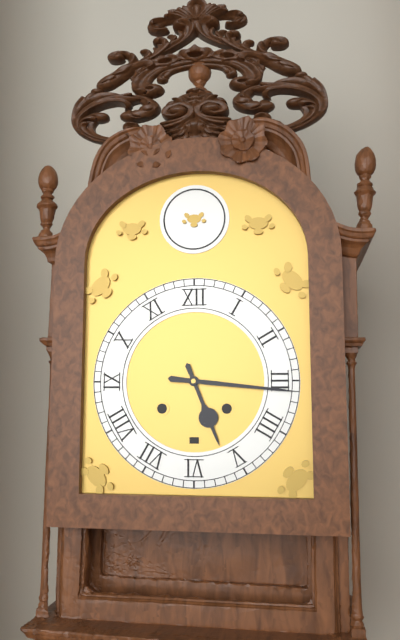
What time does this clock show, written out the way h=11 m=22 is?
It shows h=5 m=16
